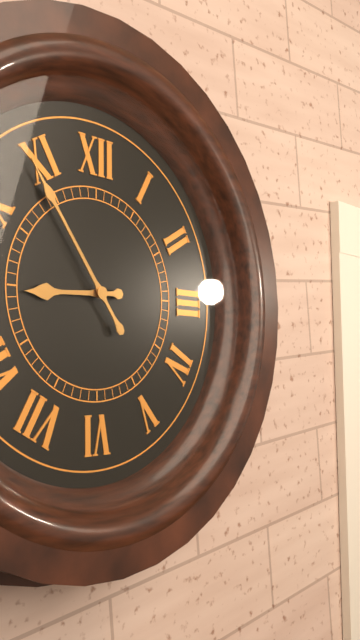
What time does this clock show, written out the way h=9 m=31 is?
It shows h=8 m=54
